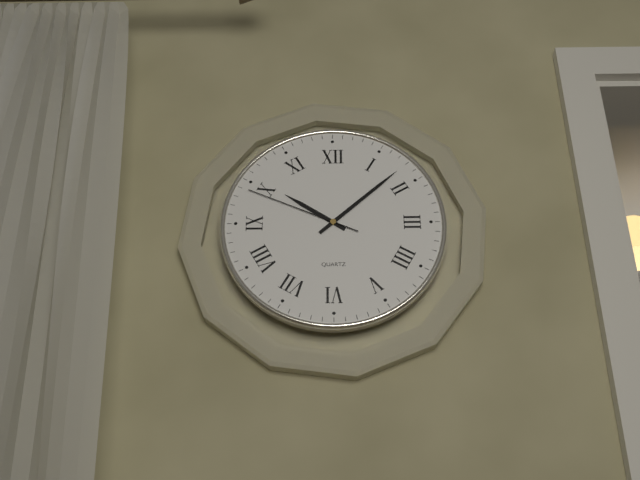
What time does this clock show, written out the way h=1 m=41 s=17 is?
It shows h=10 m=8 s=49
